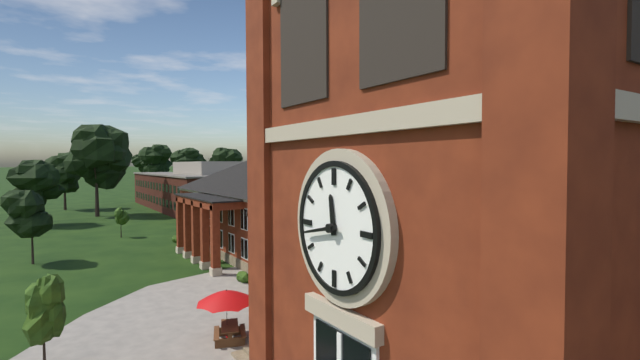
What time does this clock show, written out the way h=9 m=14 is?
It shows h=11 m=43
